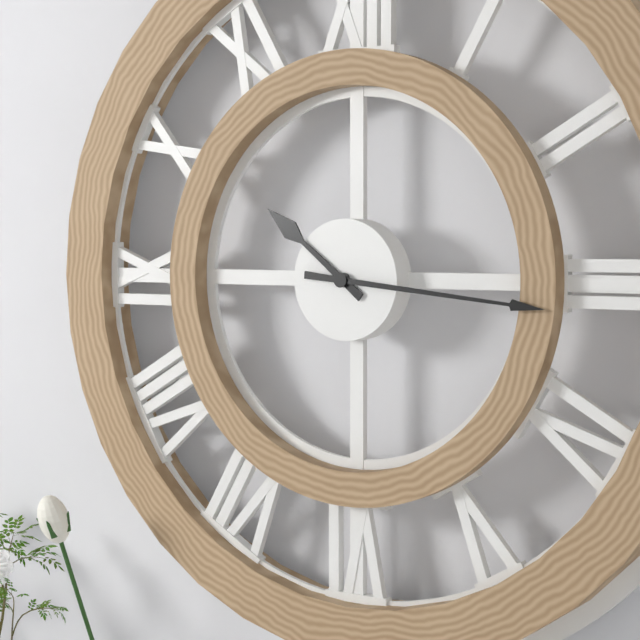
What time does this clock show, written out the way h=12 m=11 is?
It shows h=10 m=16
